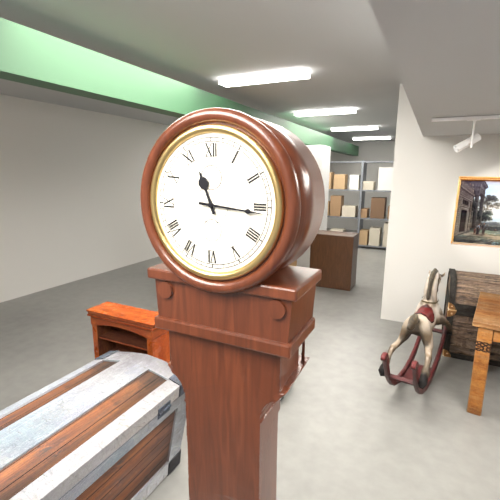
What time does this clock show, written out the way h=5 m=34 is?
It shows h=11 m=16
